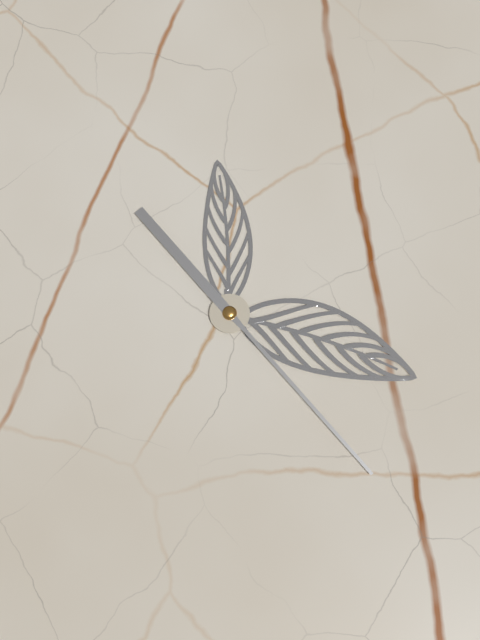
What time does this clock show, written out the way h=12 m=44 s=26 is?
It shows h=5 m=48 s=53
